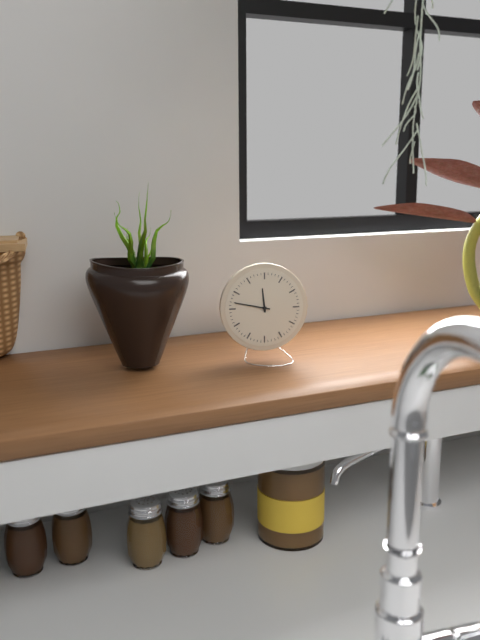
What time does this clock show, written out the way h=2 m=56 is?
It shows h=11 m=47
